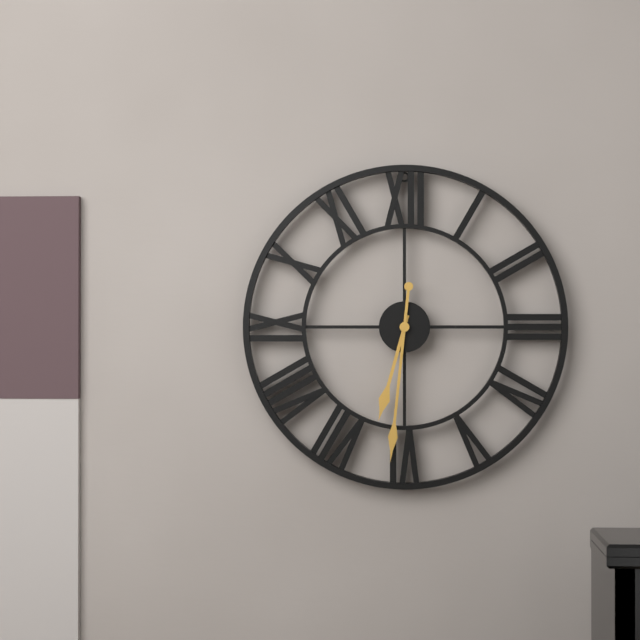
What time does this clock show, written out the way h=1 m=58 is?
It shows h=6 m=31
